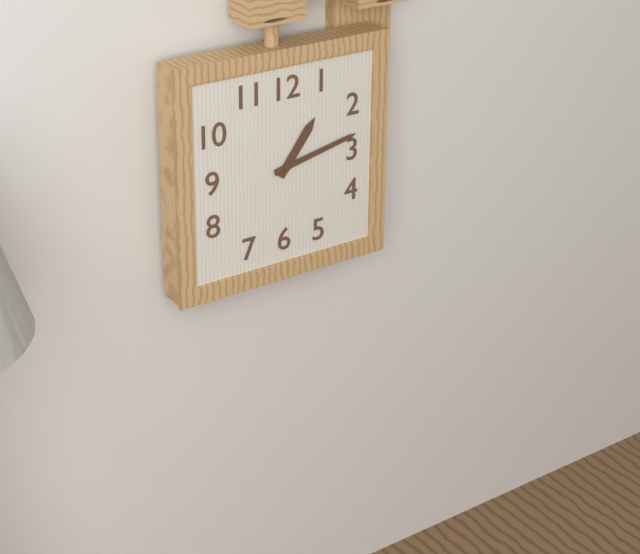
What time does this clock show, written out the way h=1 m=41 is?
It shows h=1 m=13
